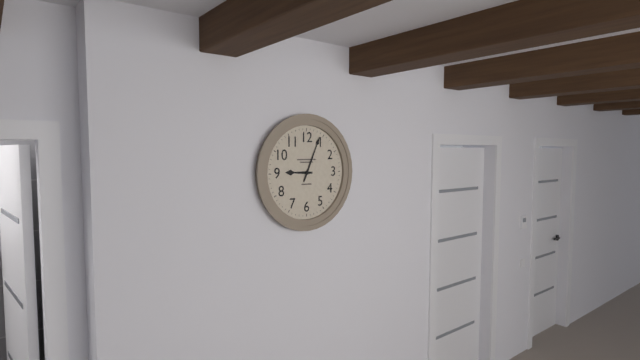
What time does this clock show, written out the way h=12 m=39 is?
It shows h=9 m=4
